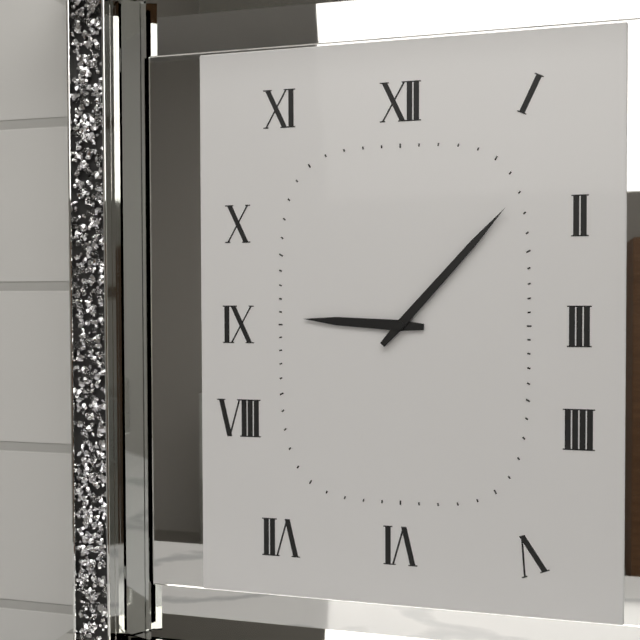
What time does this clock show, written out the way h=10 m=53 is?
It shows h=9 m=7
